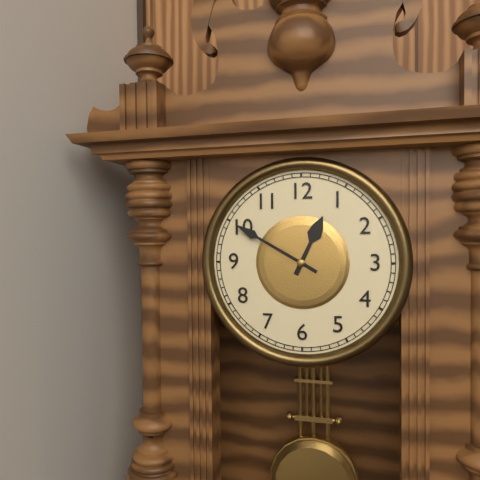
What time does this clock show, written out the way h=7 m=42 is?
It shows h=12 m=50
